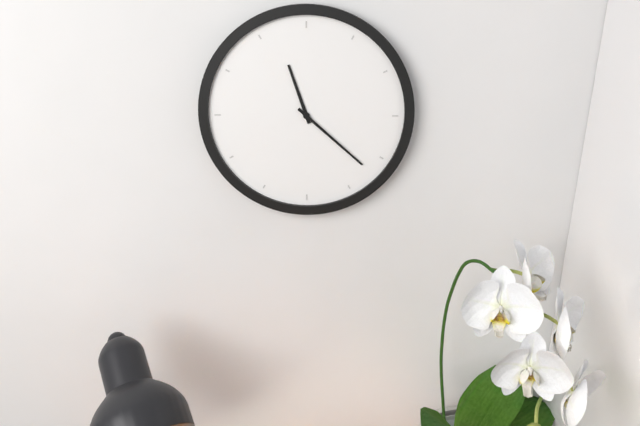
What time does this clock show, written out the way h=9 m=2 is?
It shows h=11 m=22
